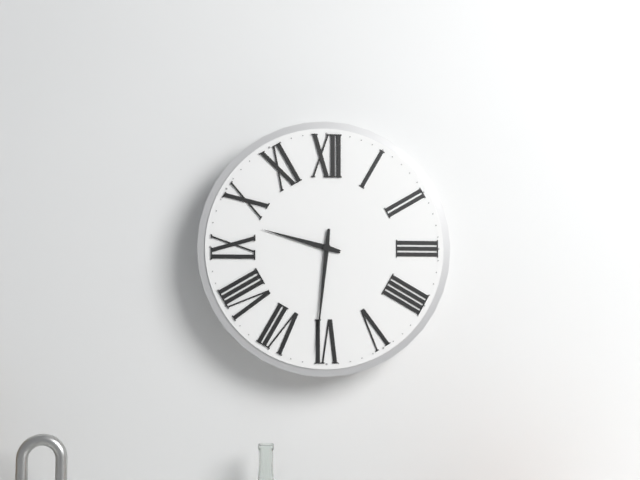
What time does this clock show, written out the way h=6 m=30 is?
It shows h=9 m=31
